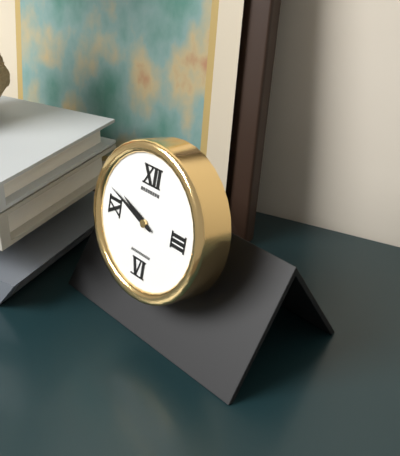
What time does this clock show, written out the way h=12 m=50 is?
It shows h=9 m=48
